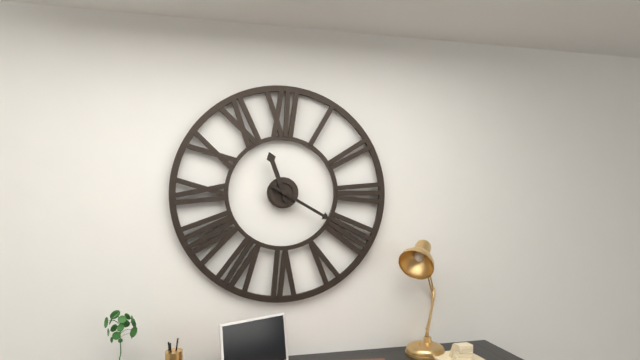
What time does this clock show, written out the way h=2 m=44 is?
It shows h=11 m=20
